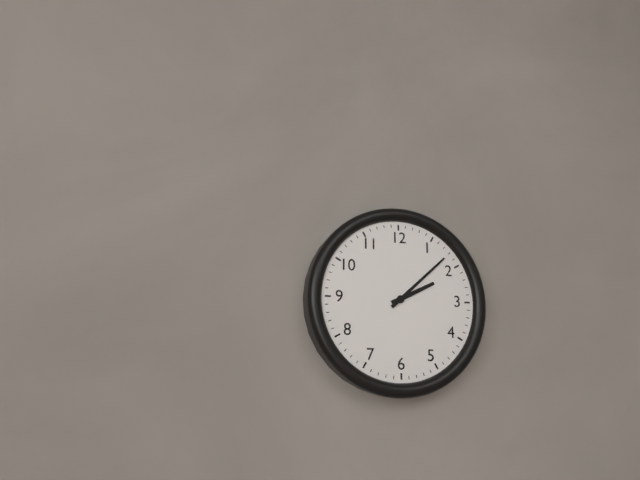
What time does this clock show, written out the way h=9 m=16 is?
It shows h=2 m=8
